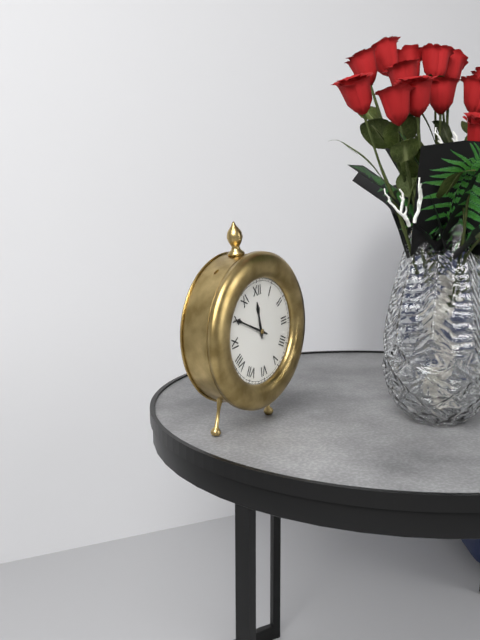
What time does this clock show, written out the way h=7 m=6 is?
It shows h=11 m=50
